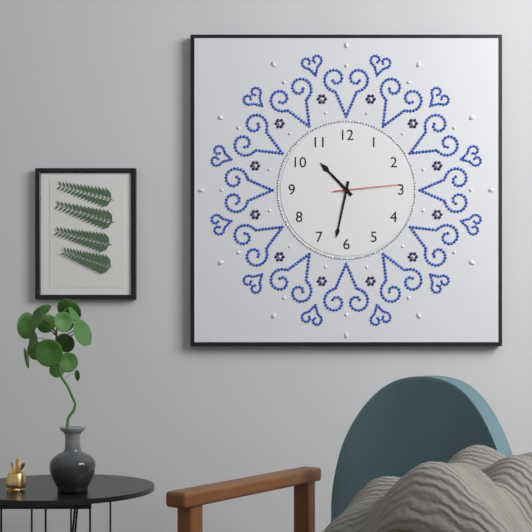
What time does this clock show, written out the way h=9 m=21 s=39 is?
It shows h=10 m=32 s=14
